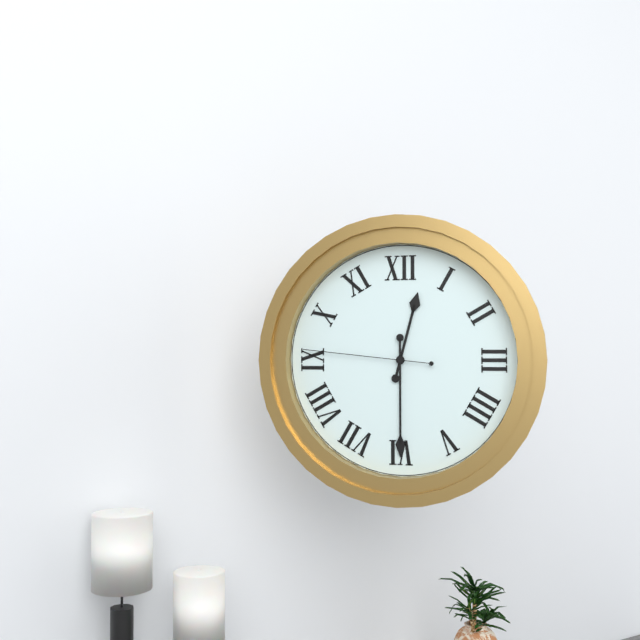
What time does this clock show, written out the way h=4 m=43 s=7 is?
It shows h=12 m=30 s=46
